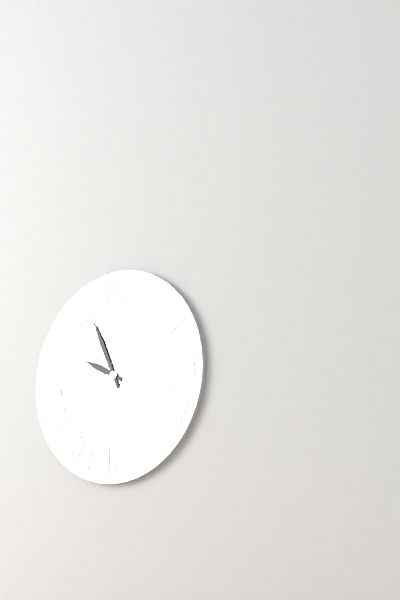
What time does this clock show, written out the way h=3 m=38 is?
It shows h=9 m=56
